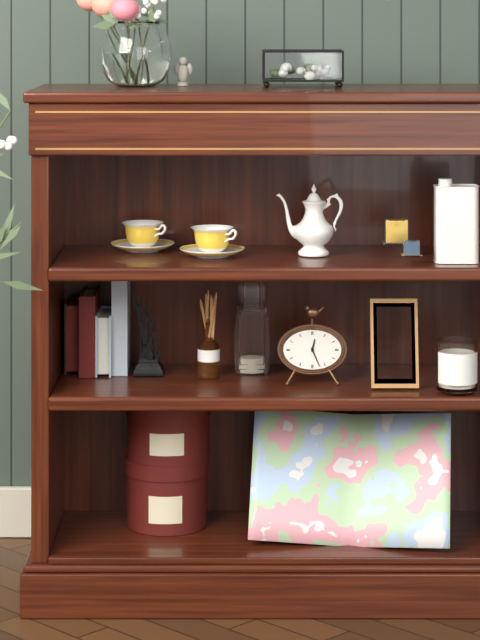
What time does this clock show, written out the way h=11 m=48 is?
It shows h=12 m=26
